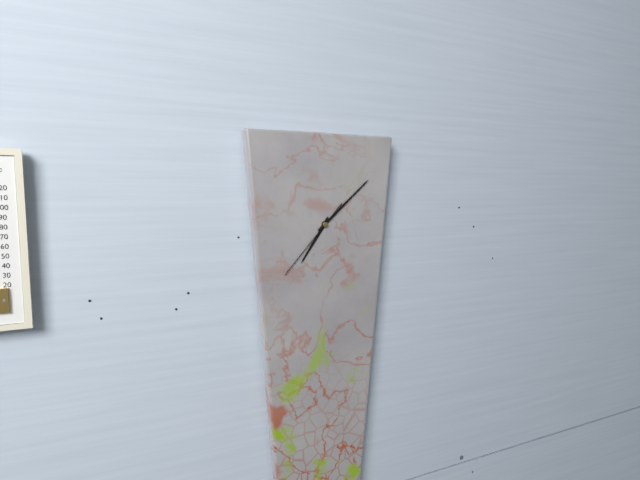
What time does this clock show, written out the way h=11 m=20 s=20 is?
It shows h=7 m=8 s=37
